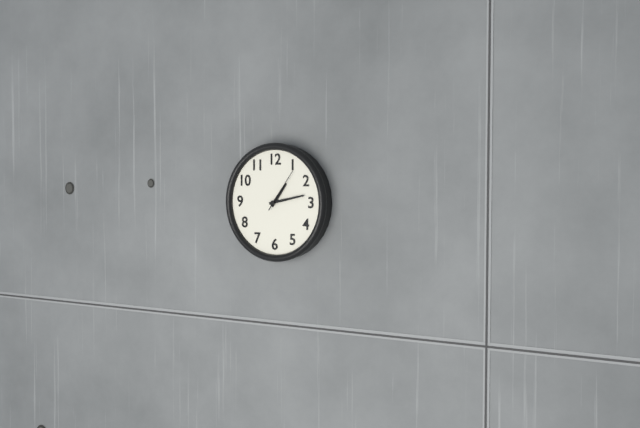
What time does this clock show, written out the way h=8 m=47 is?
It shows h=1 m=13
